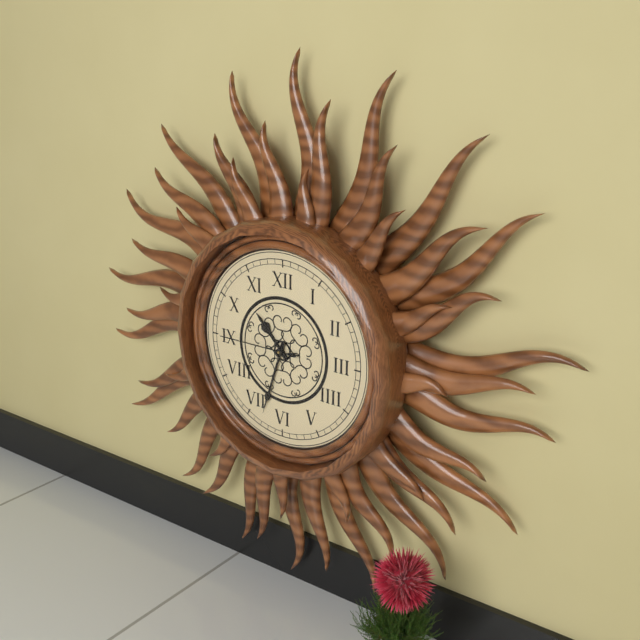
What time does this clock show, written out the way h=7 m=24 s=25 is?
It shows h=10 m=33 s=45
